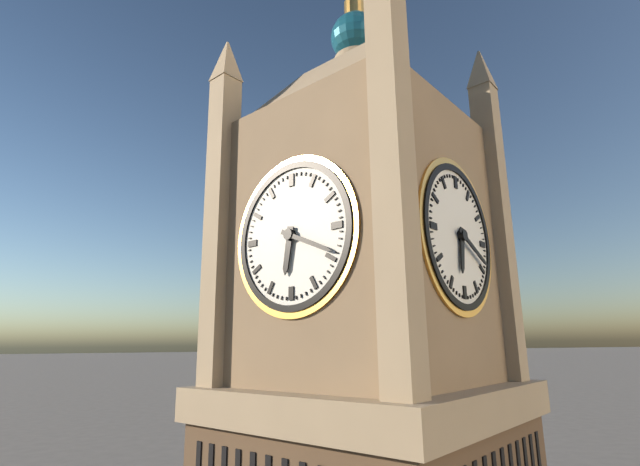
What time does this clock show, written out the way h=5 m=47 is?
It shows h=6 m=19
